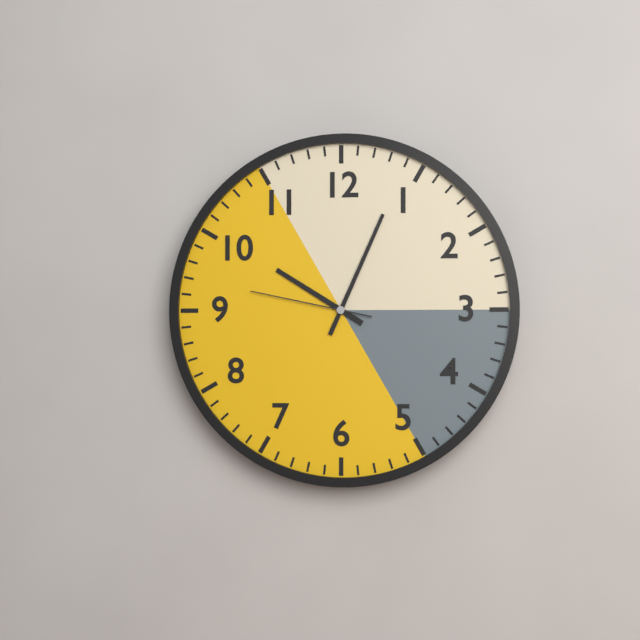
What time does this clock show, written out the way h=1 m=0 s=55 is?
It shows h=10 m=4 s=47
